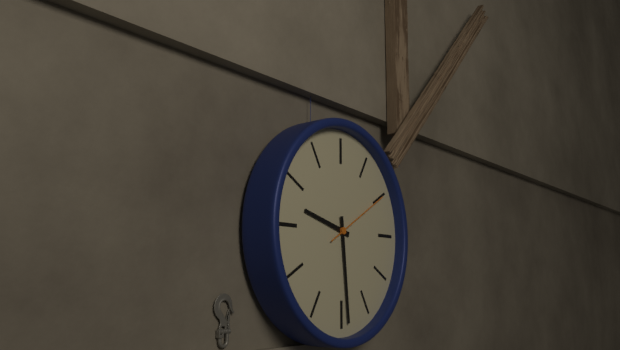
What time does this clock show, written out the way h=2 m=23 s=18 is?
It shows h=9 m=29 s=10
